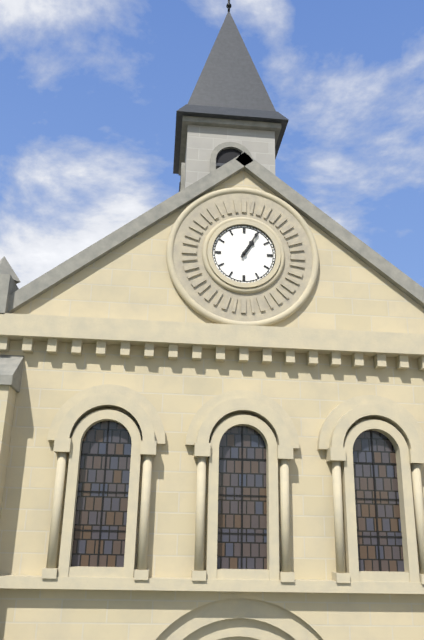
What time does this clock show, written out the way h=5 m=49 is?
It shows h=1 m=5
